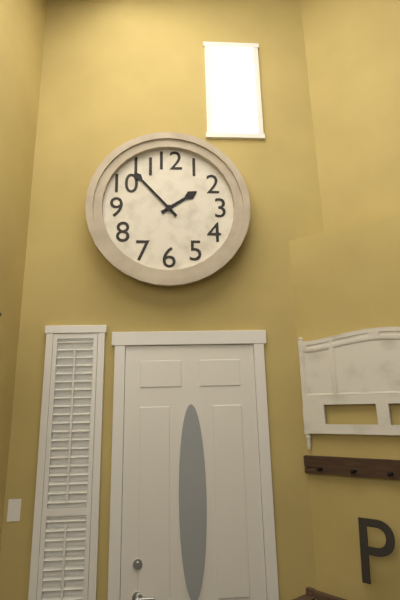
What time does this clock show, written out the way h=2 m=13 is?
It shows h=1 m=53
